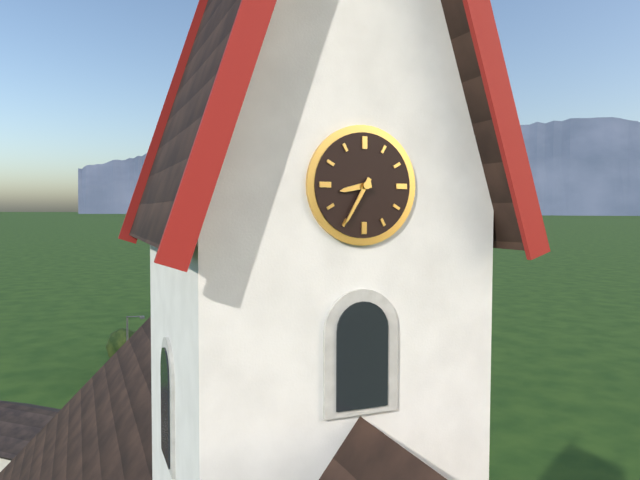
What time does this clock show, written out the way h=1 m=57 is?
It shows h=8 m=35
